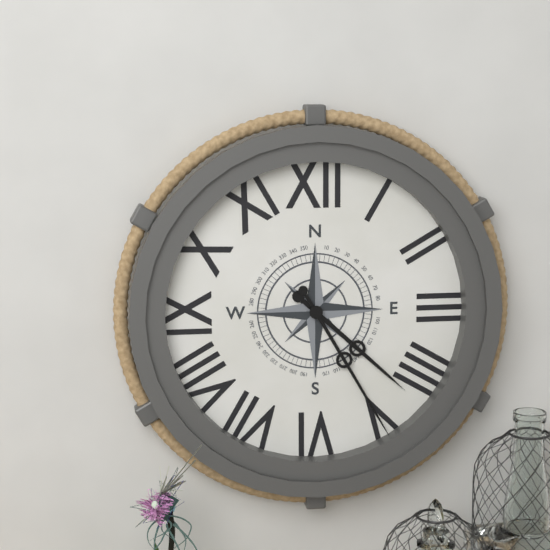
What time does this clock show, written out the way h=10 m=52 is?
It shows h=4 m=25
